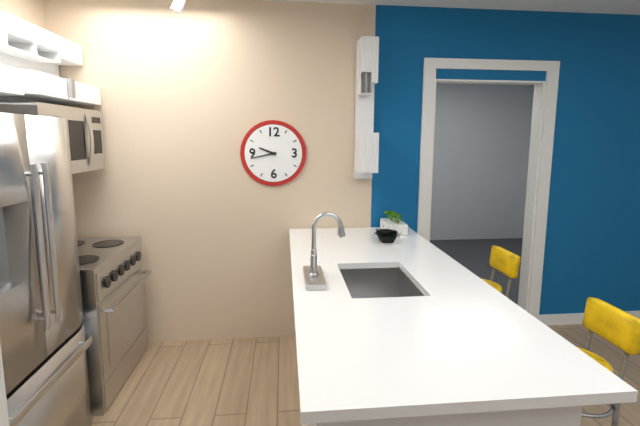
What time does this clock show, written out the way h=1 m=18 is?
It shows h=9 m=43
